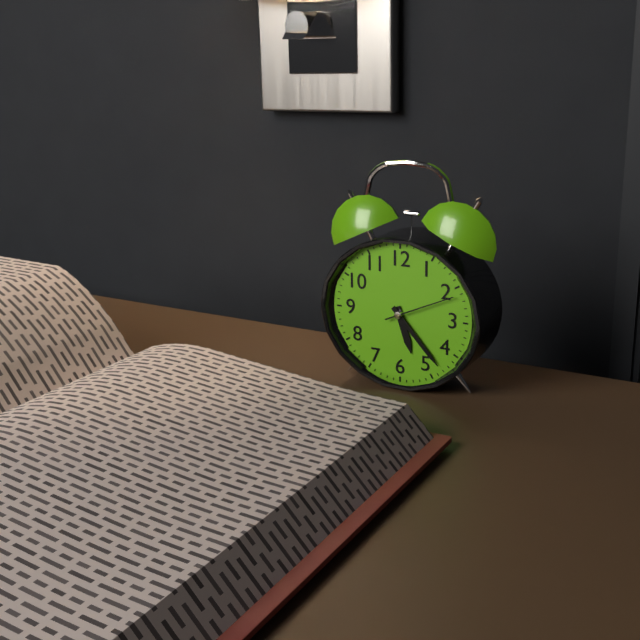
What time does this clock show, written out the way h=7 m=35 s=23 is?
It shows h=5 m=23 s=11
